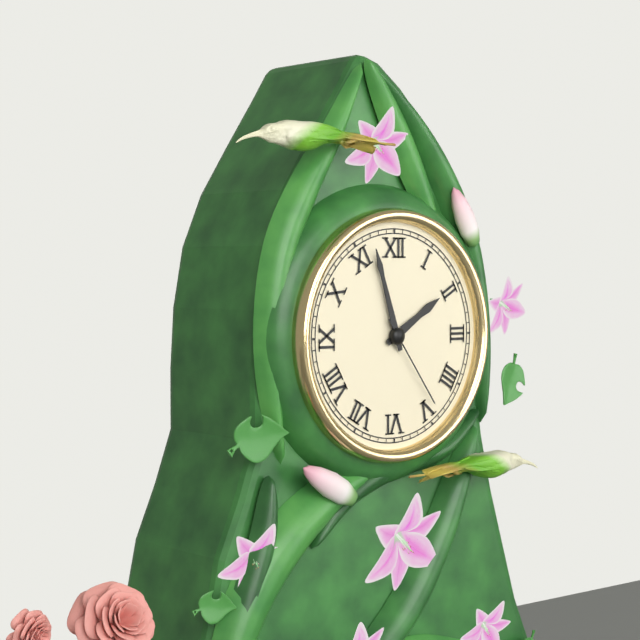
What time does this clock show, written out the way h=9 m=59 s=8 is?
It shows h=1 m=57 s=24
